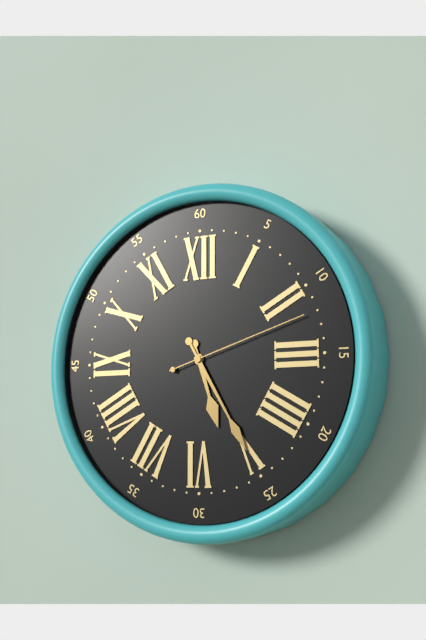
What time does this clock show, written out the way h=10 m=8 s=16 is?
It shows h=5 m=25 s=12
